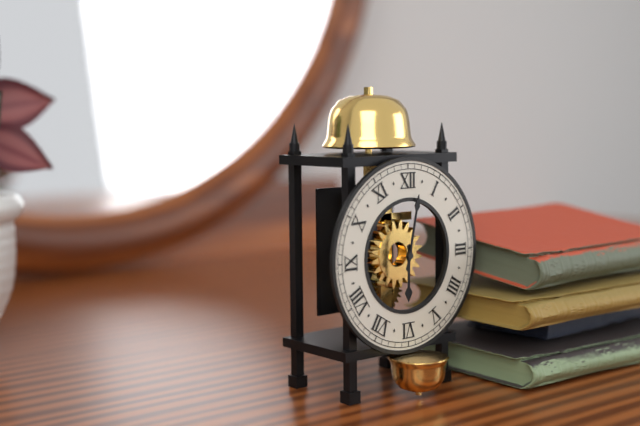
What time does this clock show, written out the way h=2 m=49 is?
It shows h=6 m=2
